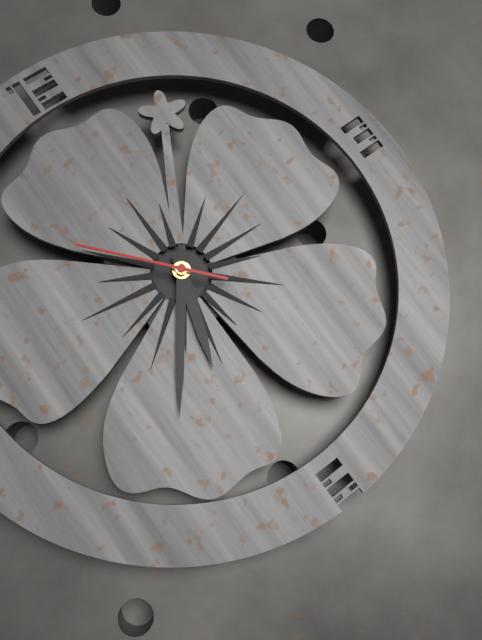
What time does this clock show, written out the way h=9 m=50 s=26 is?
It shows h=6 m=36 s=53
